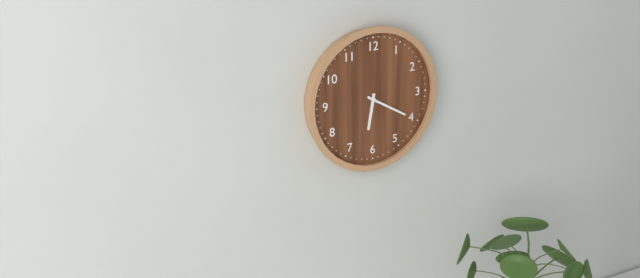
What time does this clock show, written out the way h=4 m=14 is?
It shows h=6 m=20
